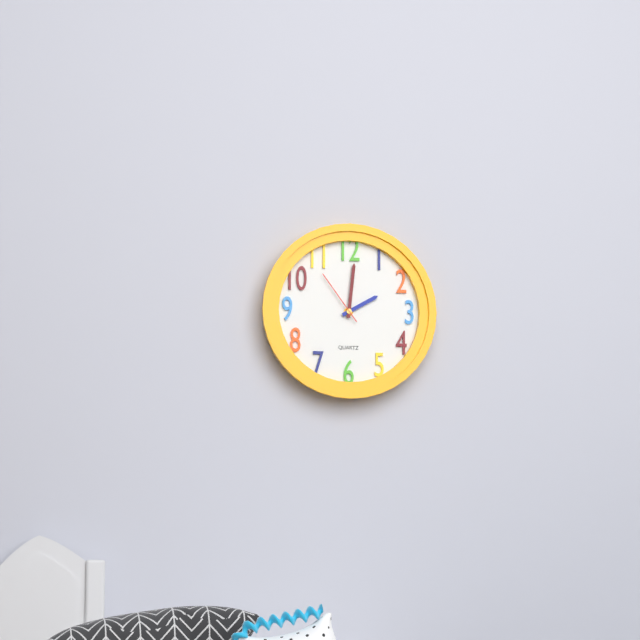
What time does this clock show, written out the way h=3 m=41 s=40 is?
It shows h=2 m=1 s=54
